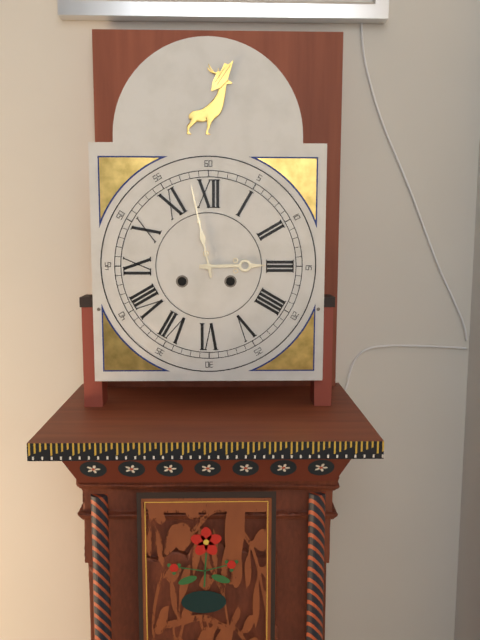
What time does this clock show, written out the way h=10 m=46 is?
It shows h=2 m=58
